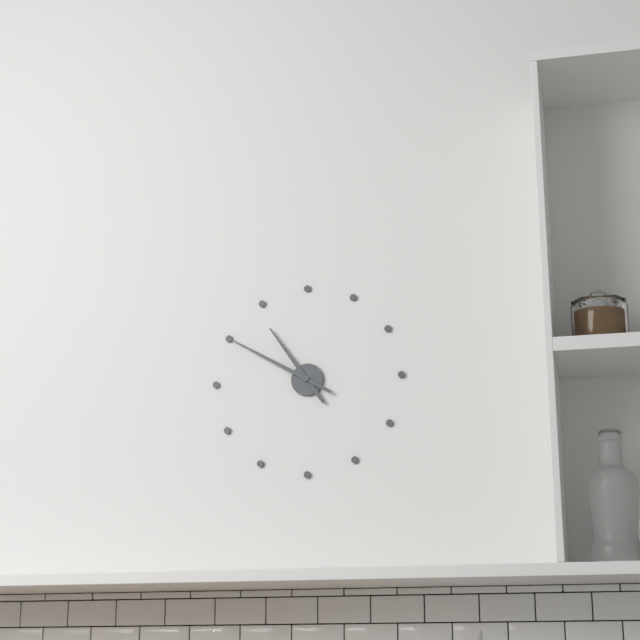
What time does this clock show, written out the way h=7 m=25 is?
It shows h=10 m=50
